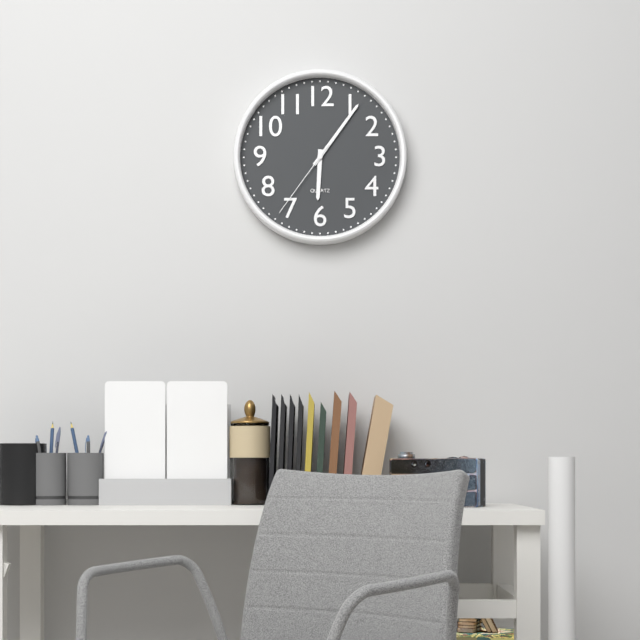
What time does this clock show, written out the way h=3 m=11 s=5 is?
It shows h=6 m=6 s=36
